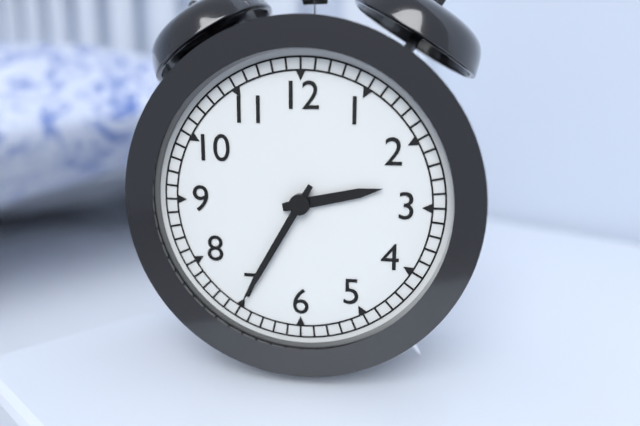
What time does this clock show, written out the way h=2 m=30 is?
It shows h=2 m=35
